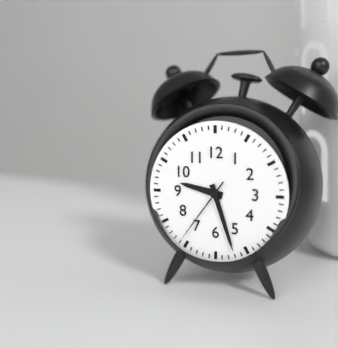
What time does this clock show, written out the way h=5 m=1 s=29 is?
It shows h=9 m=27 s=36
